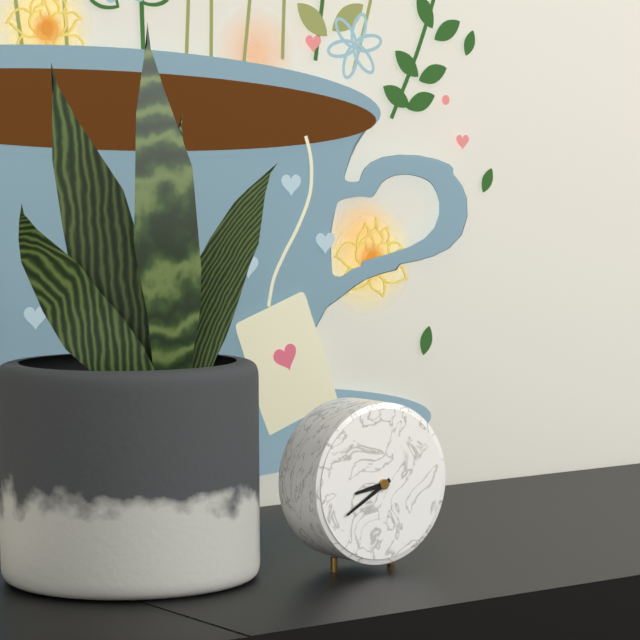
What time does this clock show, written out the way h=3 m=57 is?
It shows h=8 m=40
